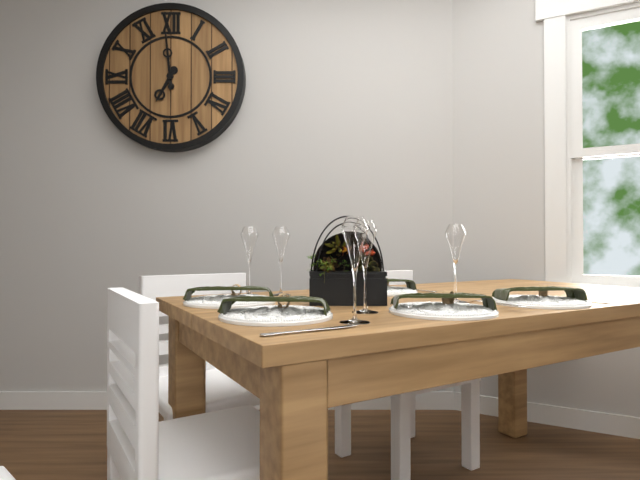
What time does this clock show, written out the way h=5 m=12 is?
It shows h=6 m=59
